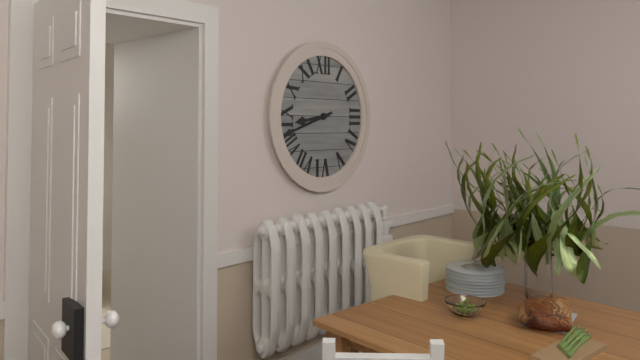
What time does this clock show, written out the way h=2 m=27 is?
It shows h=8 m=42
